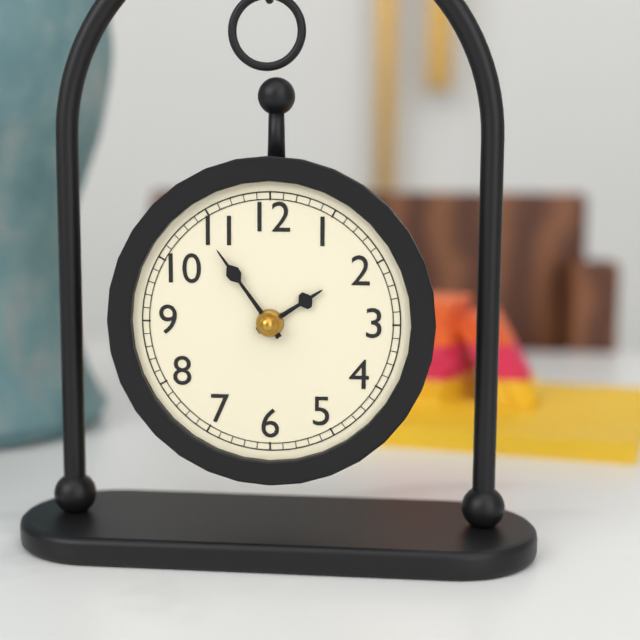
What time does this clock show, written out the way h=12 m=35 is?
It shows h=1 m=54
